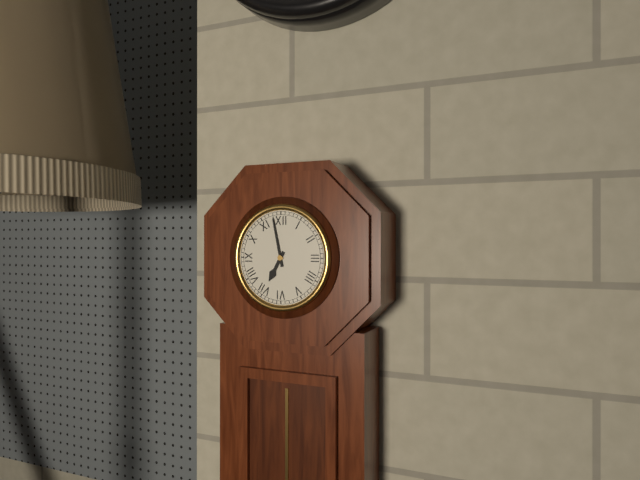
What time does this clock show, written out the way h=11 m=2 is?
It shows h=6 m=58
